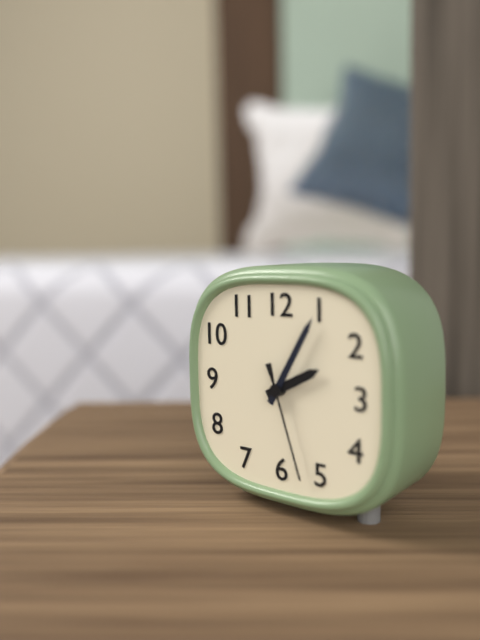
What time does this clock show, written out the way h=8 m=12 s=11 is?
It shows h=2 m=5 s=27
